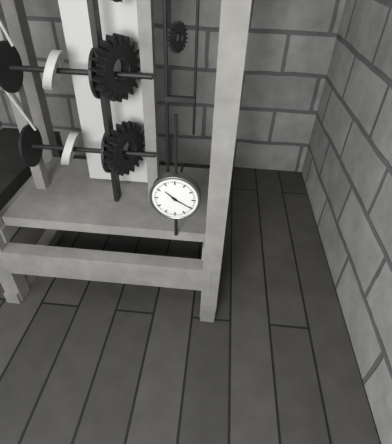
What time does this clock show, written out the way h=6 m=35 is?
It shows h=10 m=20
